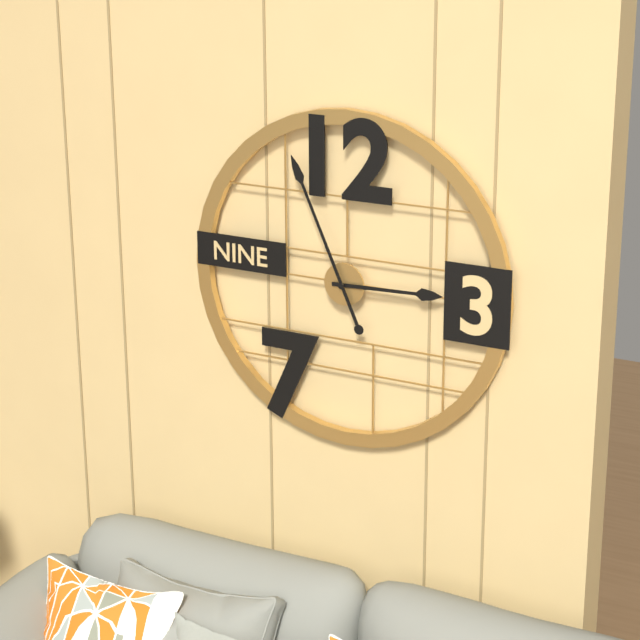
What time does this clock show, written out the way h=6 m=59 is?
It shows h=2 m=56
